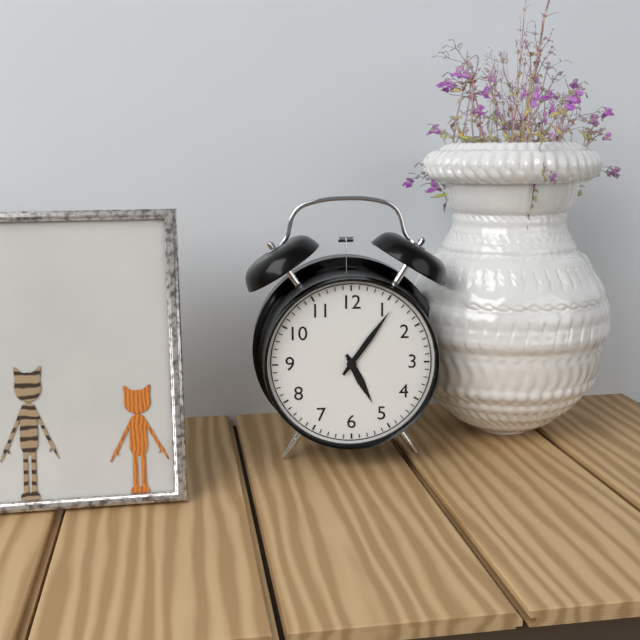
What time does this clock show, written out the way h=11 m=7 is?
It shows h=5 m=6
